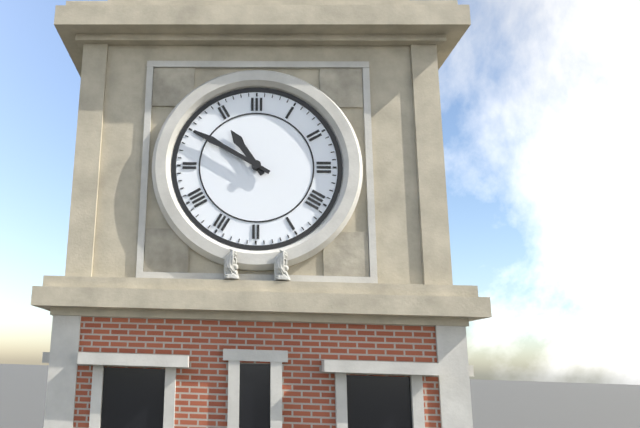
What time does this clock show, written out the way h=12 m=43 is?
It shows h=10 m=50
